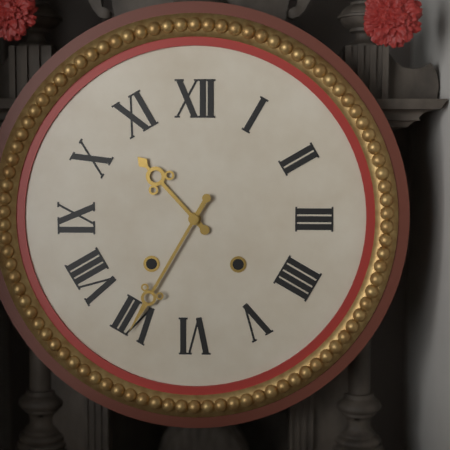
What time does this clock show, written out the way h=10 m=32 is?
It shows h=10 m=35
